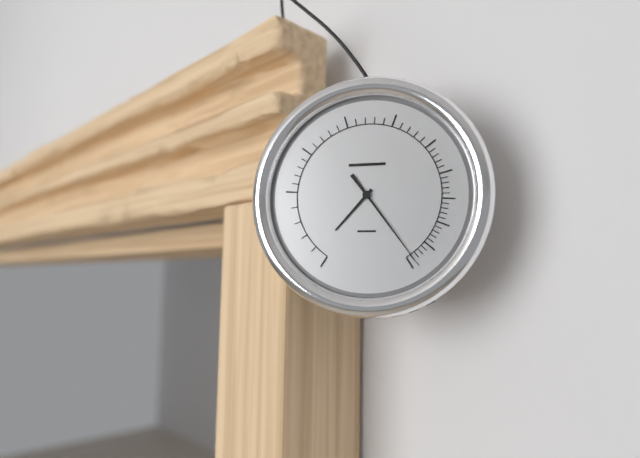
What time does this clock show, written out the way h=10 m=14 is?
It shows h=7 m=24
